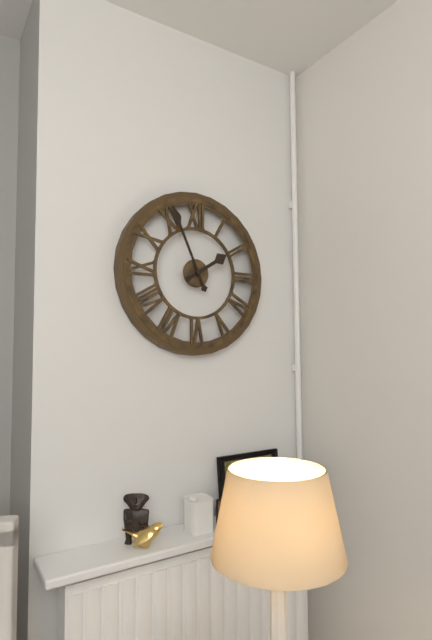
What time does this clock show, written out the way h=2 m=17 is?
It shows h=1 m=56
